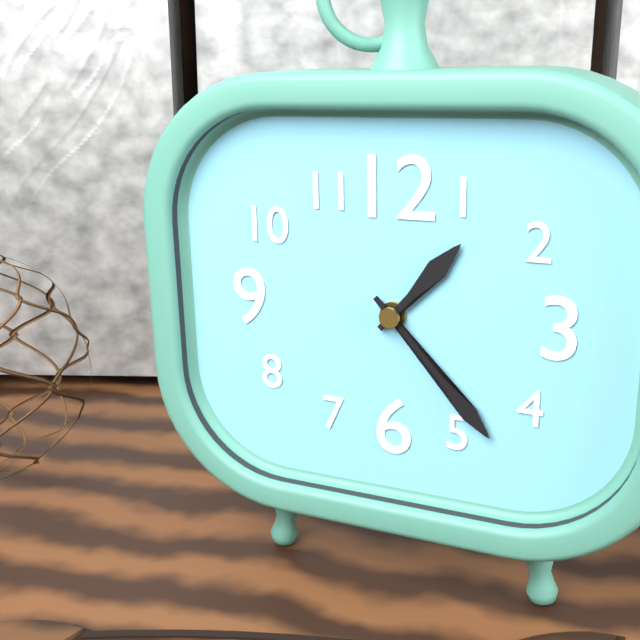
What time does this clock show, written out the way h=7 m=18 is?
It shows h=1 m=23
